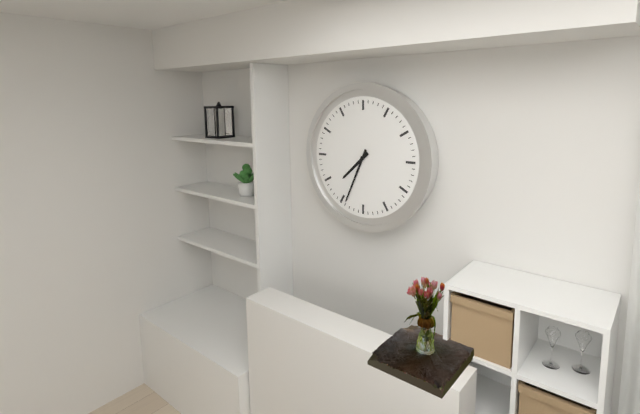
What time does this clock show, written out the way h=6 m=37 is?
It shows h=7 m=34
